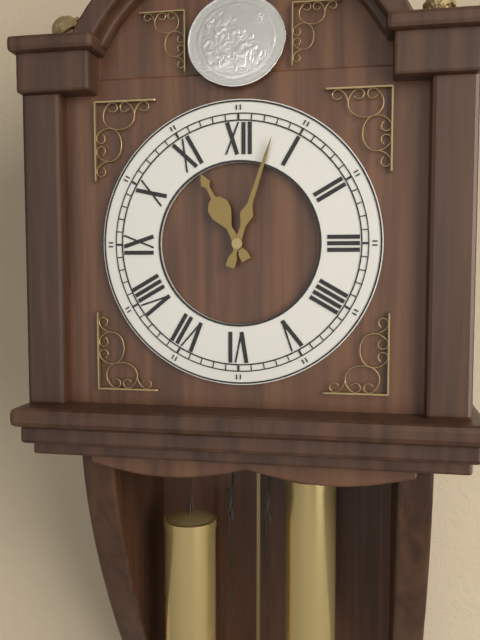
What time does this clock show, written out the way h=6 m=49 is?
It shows h=11 m=3
